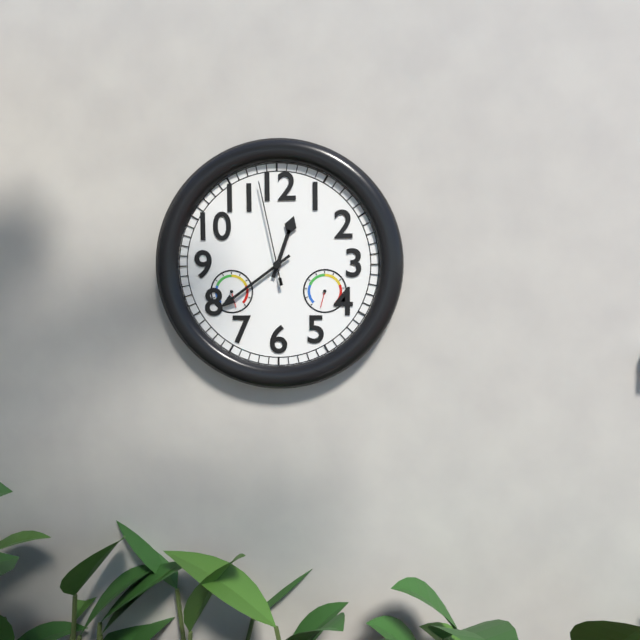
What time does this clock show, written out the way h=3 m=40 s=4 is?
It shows h=12 m=39 s=58
